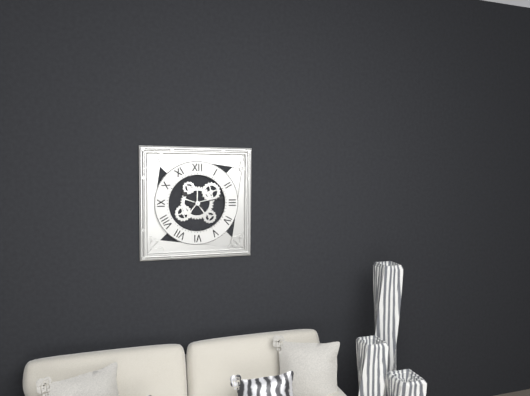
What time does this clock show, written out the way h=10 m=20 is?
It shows h=10 m=13
